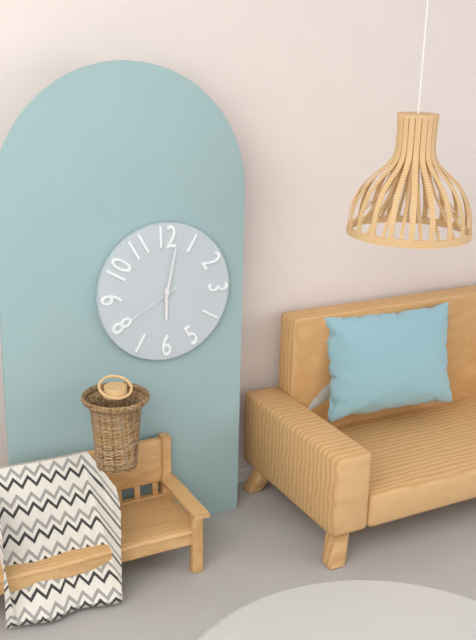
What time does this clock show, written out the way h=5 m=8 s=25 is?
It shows h=6 m=2 s=40
